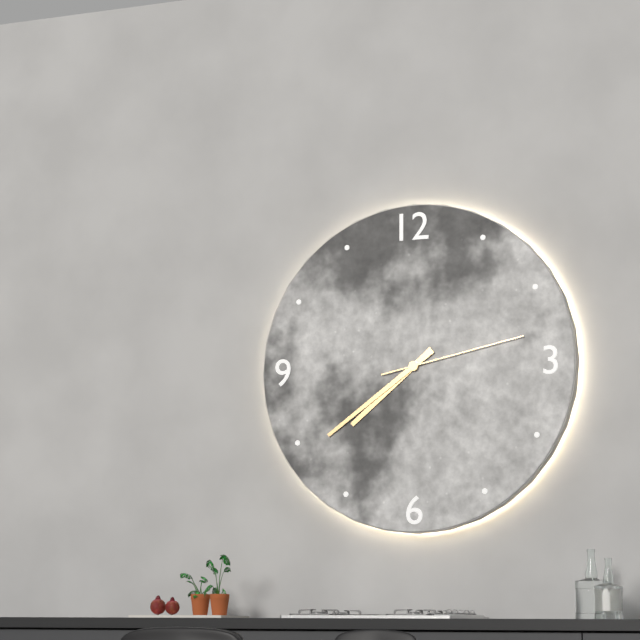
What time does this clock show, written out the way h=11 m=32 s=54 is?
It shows h=7 m=39 s=13
